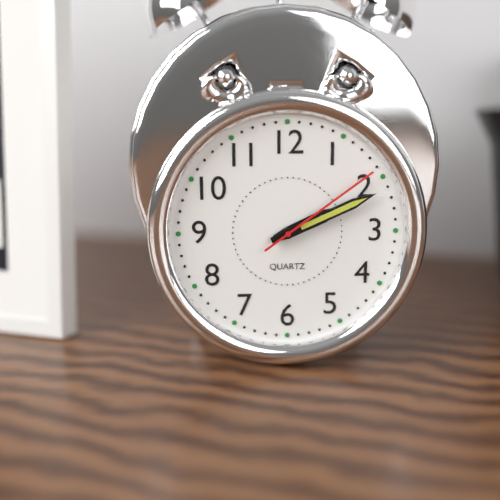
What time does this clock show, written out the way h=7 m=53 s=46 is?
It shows h=2 m=11 s=9
